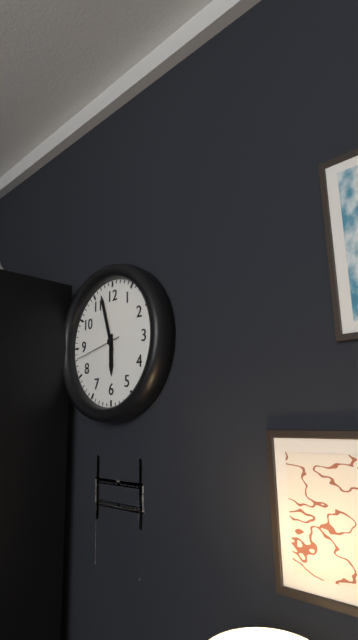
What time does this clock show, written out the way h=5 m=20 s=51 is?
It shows h=5 m=57 s=43
